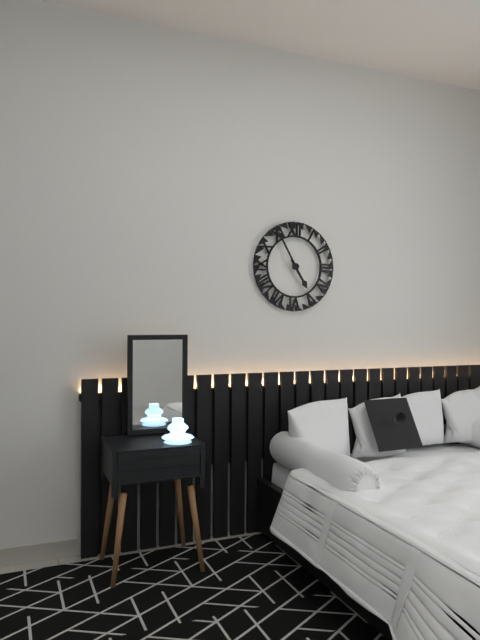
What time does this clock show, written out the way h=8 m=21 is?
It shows h=4 m=55
